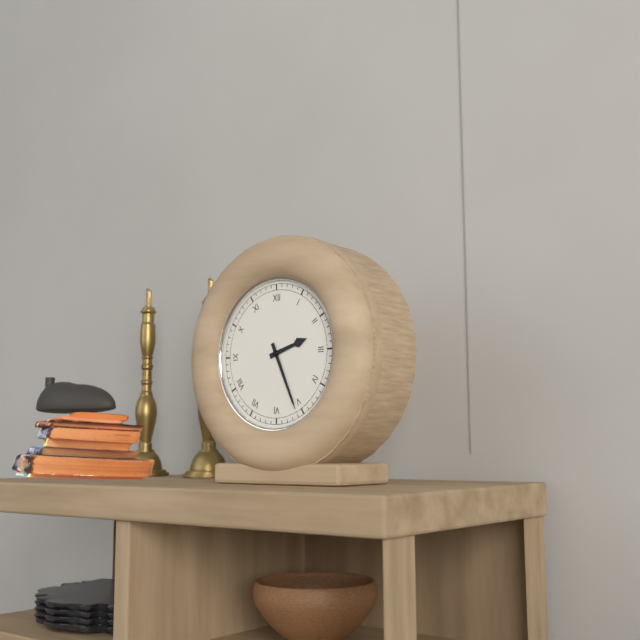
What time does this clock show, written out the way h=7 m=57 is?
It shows h=2 m=26
